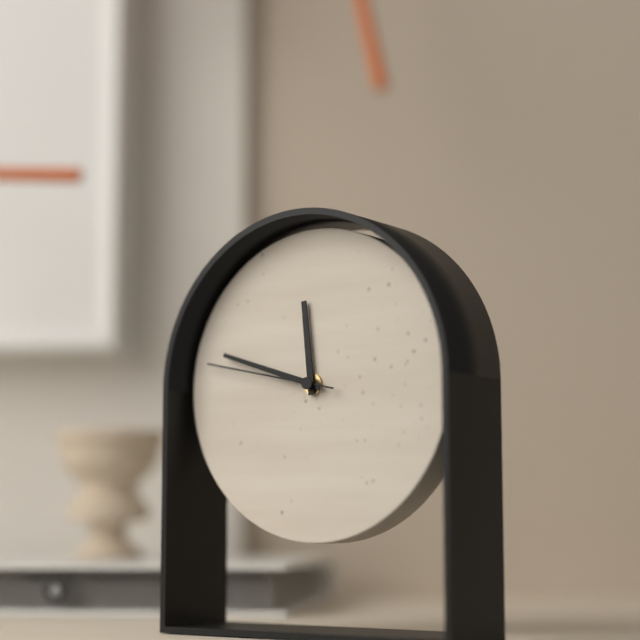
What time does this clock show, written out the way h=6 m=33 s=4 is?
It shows h=11 m=48 s=47
